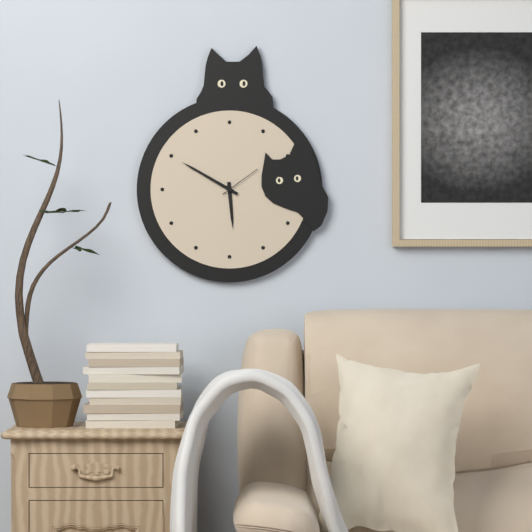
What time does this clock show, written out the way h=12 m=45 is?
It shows h=5 m=50
